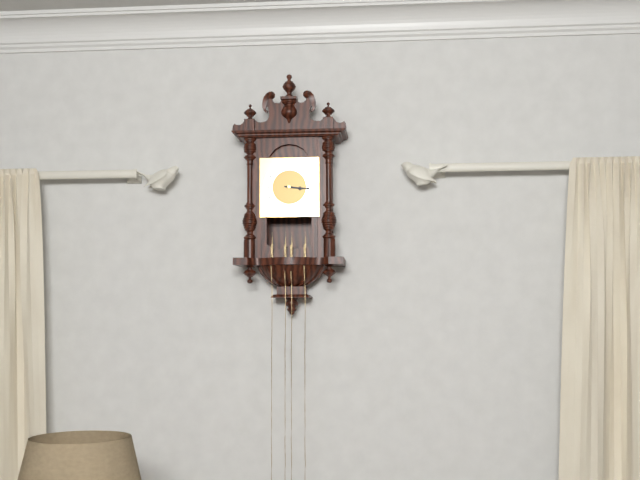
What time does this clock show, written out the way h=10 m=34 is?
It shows h=3 m=16
